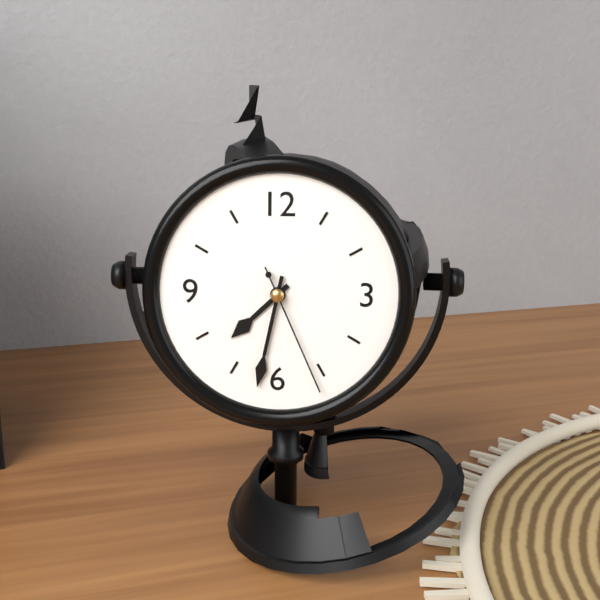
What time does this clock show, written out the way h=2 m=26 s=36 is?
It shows h=7 m=32 s=26
